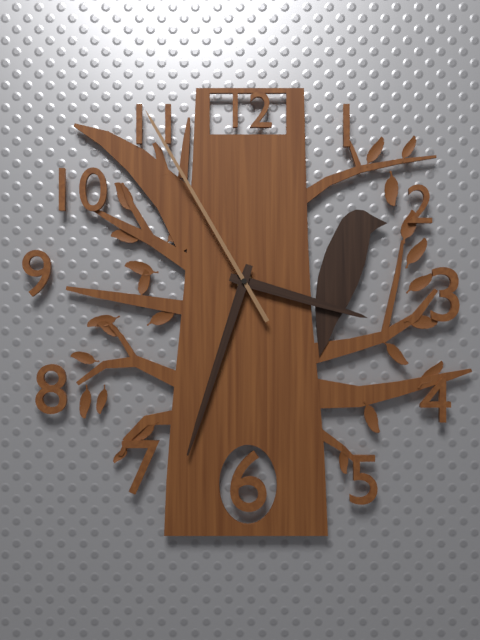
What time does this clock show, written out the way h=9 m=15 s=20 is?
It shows h=3 m=33 s=55
